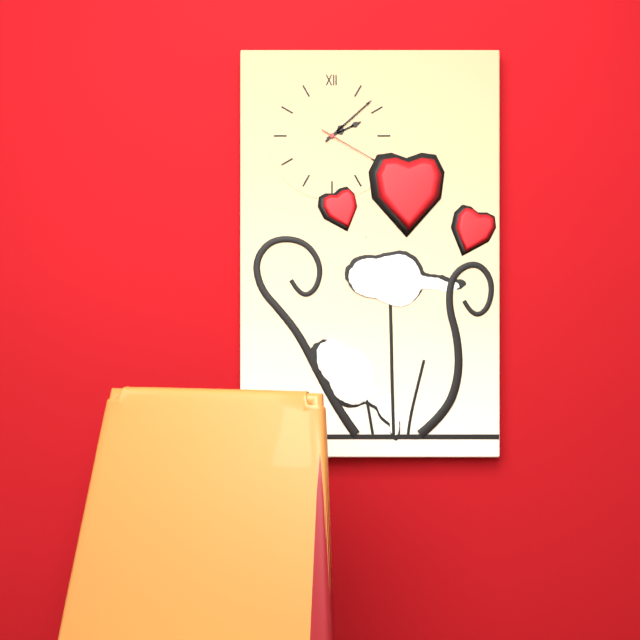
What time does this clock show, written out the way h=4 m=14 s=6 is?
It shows h=2 m=8 s=20
